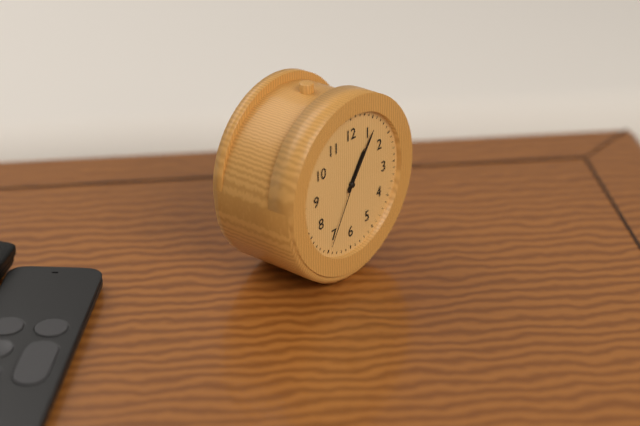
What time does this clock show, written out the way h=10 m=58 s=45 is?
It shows h=1 m=6 s=35
